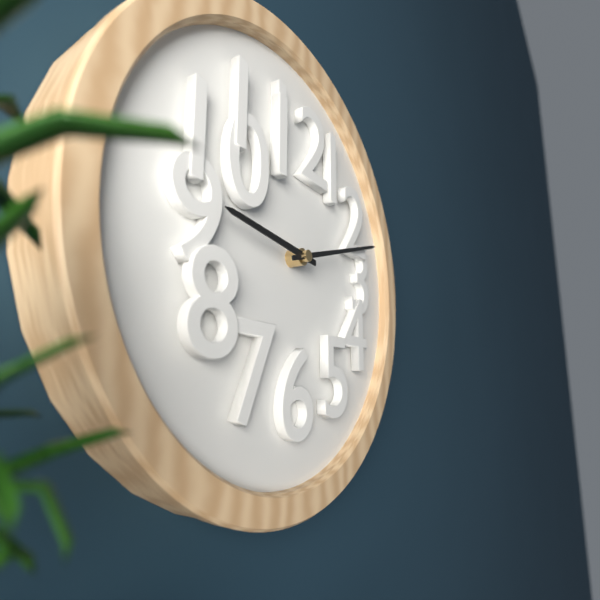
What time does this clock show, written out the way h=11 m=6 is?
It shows h=9 m=12
